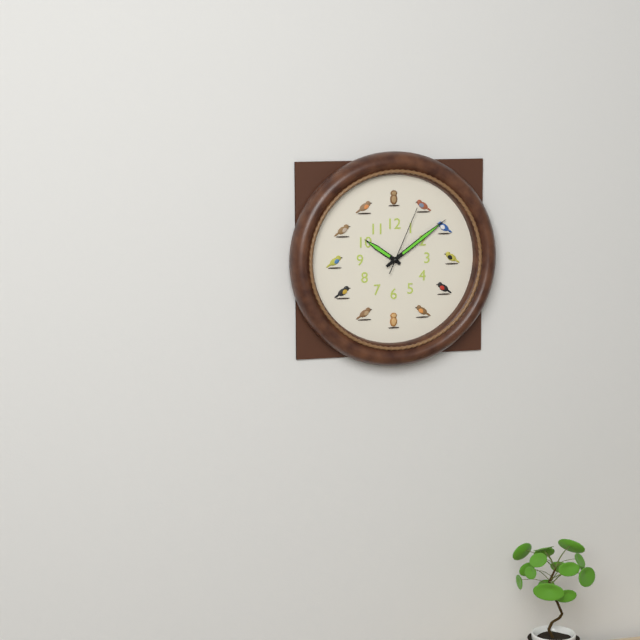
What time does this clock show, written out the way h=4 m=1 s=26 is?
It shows h=10 m=9 s=4
